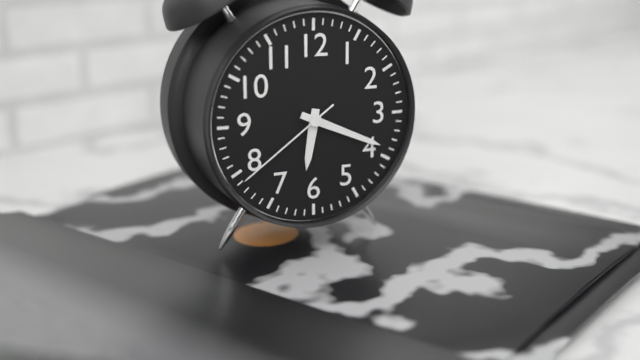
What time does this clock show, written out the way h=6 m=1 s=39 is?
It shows h=6 m=19 s=39
